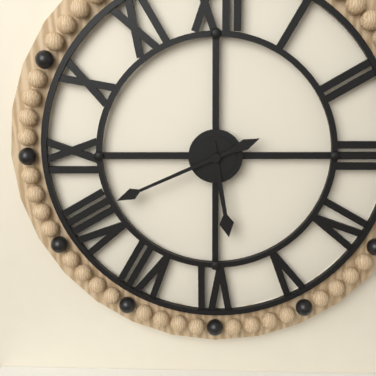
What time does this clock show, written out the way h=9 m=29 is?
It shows h=5 m=41
